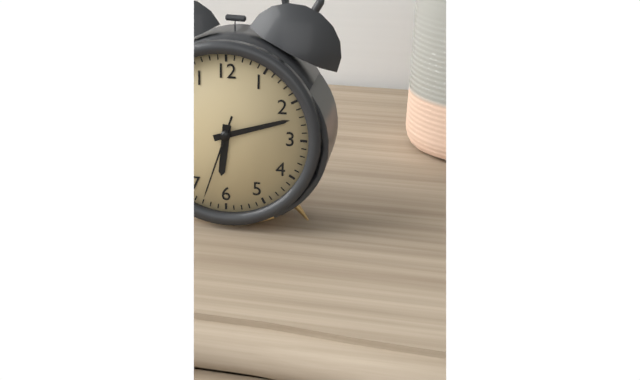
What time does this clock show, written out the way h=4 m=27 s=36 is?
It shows h=6 m=12 s=33
